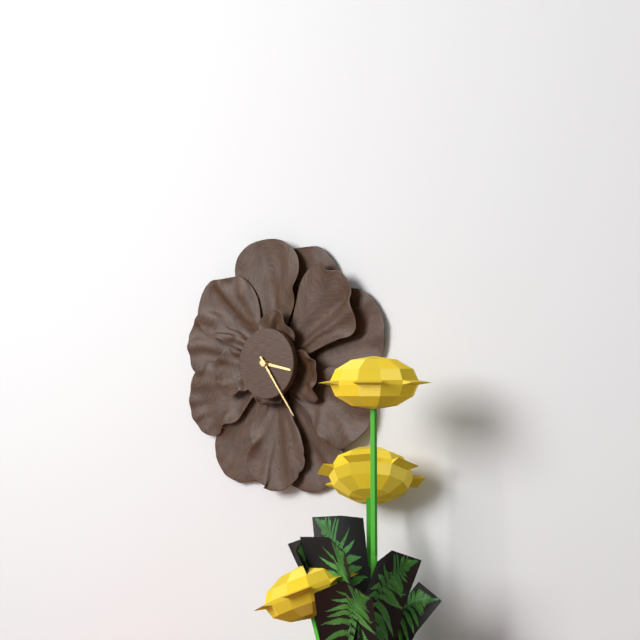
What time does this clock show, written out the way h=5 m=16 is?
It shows h=3 m=24
